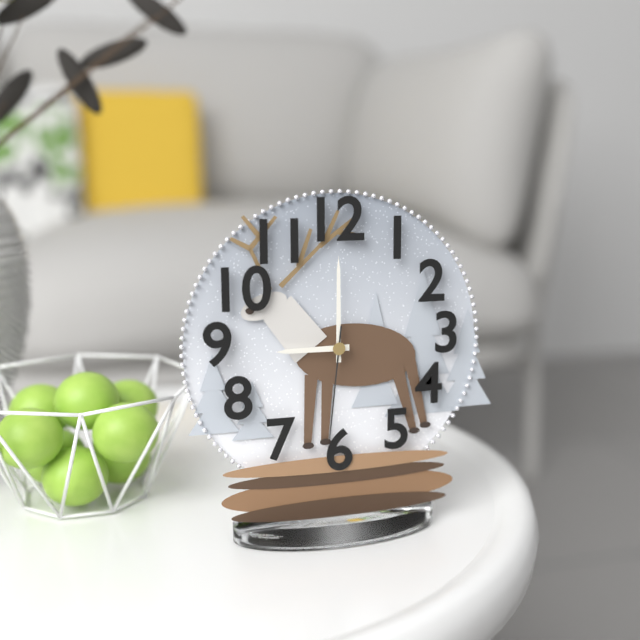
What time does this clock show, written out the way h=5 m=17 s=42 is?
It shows h=9 m=0 s=31
